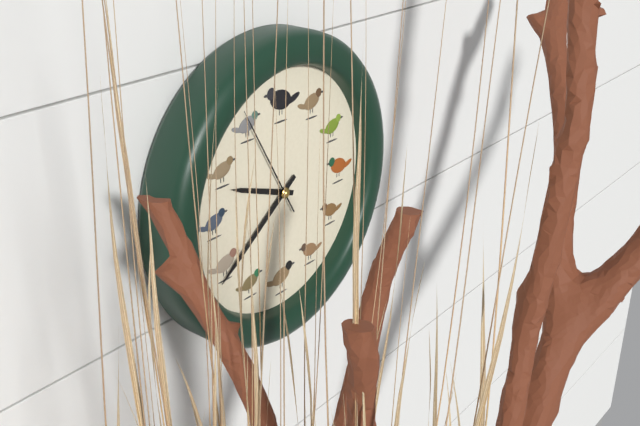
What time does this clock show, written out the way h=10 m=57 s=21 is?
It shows h=9 m=39 s=55
